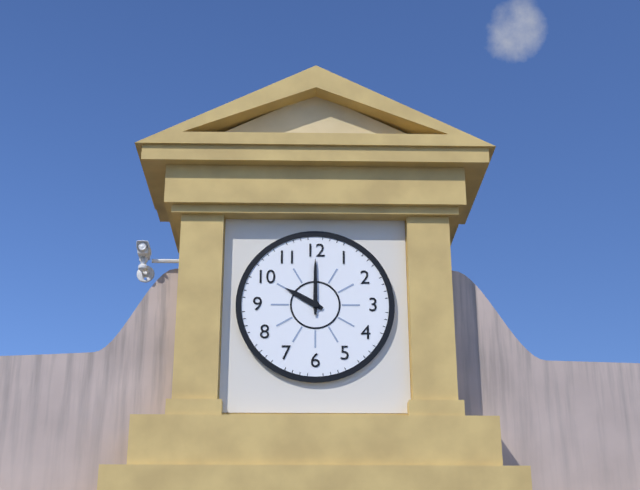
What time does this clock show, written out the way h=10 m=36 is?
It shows h=10 m=0
